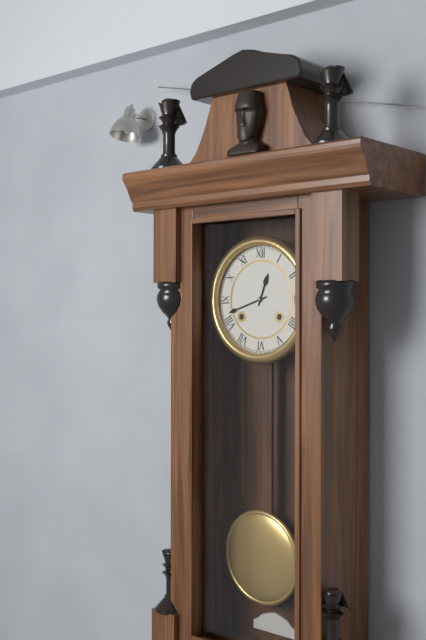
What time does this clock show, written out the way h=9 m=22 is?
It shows h=12 m=42
